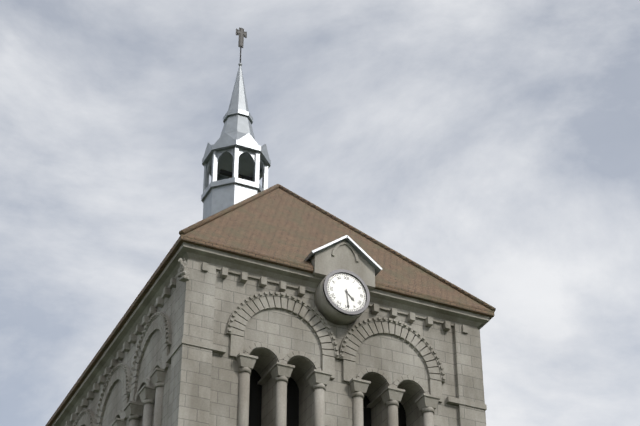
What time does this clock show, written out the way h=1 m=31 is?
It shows h=4 m=29
